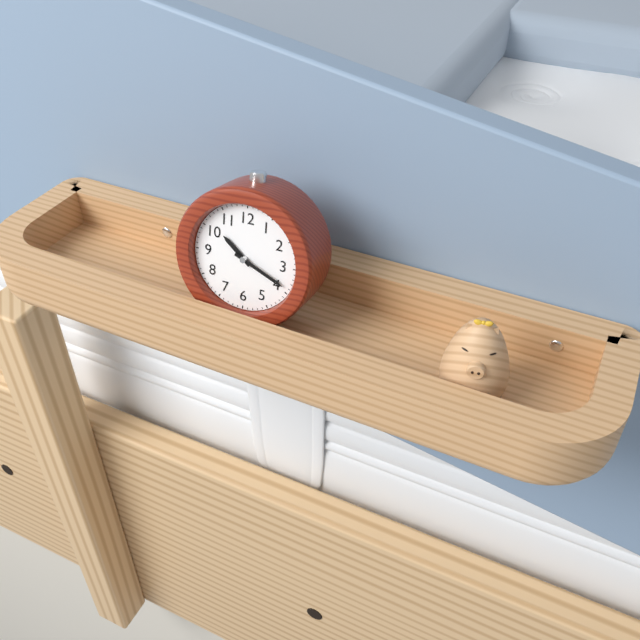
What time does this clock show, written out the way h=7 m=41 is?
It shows h=10 m=19
